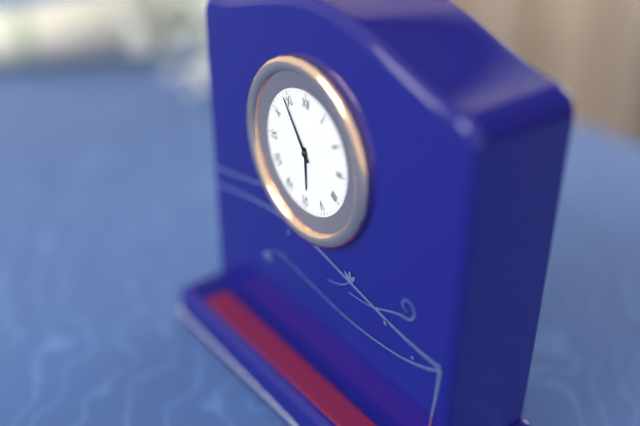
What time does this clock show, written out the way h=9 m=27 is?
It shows h=5 m=54
